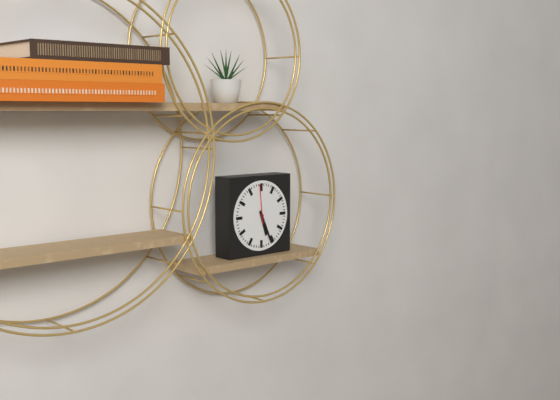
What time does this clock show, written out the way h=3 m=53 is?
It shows h=5 m=26
